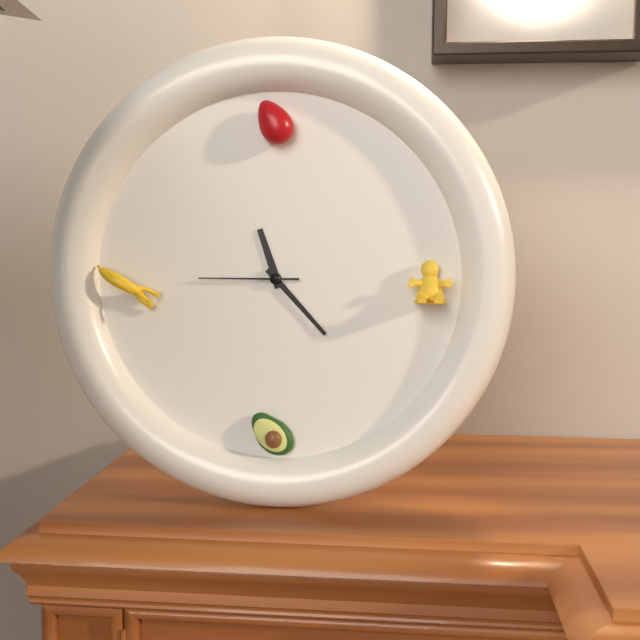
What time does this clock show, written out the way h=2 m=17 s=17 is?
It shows h=11 m=23 s=45
